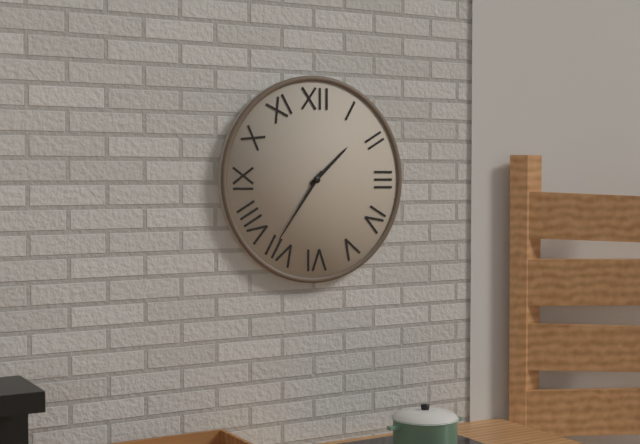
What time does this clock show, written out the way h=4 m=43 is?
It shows h=1 m=36
